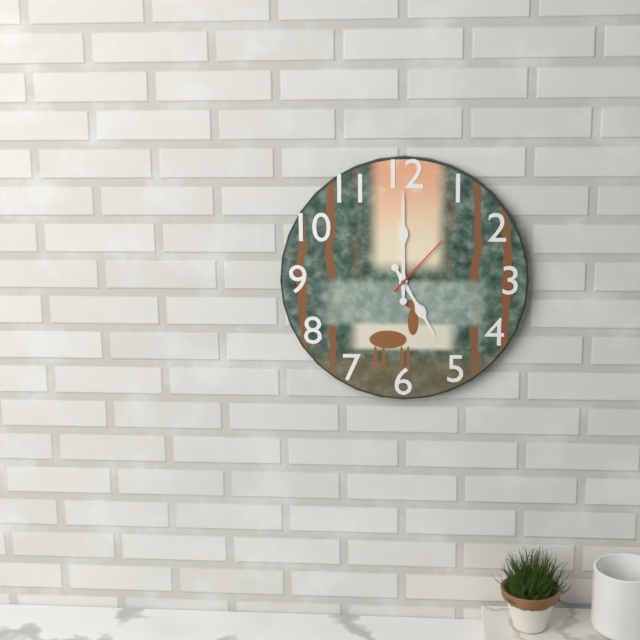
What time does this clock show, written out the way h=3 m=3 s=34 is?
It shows h=5 m=0 s=7
